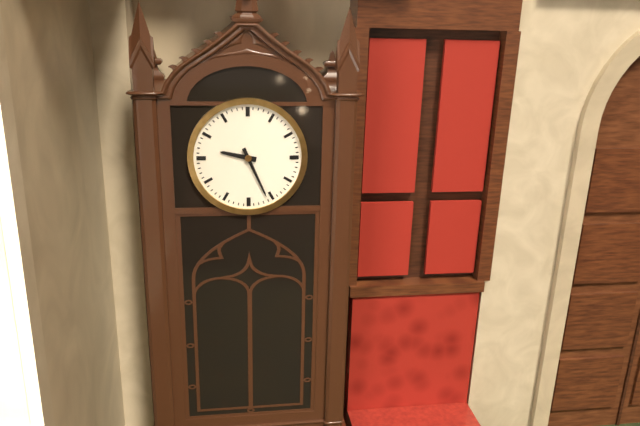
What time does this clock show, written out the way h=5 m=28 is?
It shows h=9 m=26
